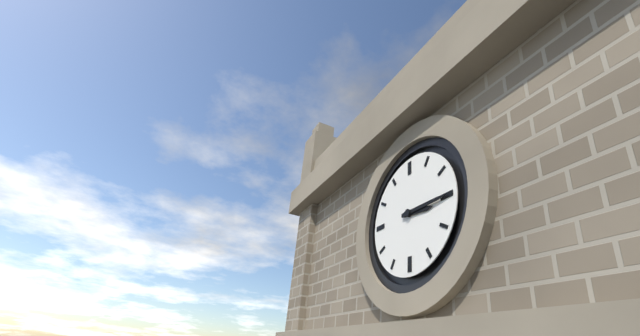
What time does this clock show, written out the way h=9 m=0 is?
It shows h=3 m=15
